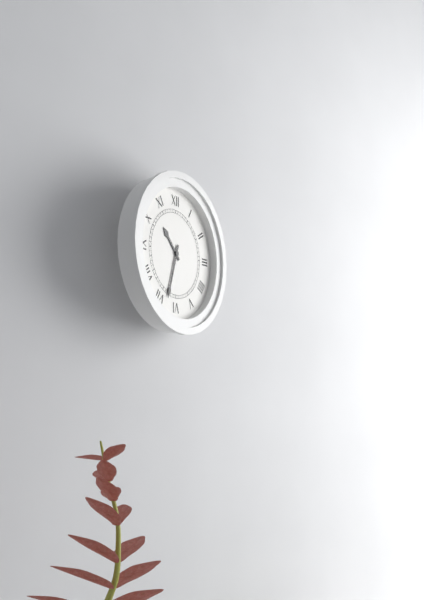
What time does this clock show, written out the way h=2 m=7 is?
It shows h=10 m=33
